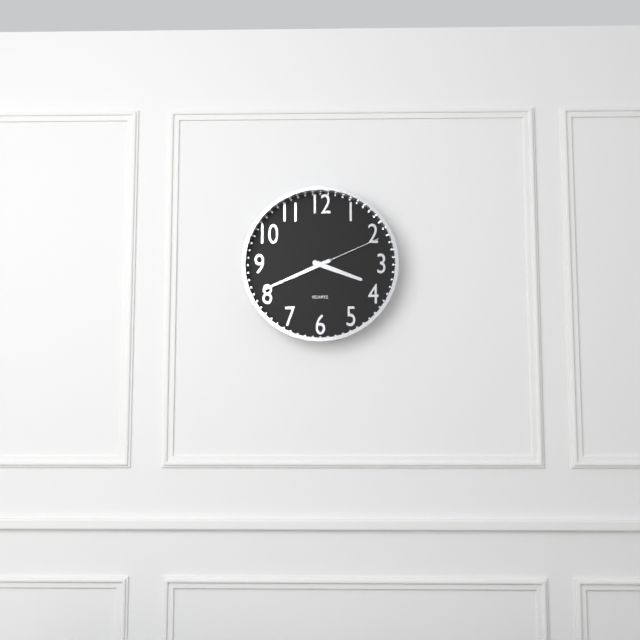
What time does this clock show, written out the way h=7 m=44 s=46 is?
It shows h=3 m=41 s=11
